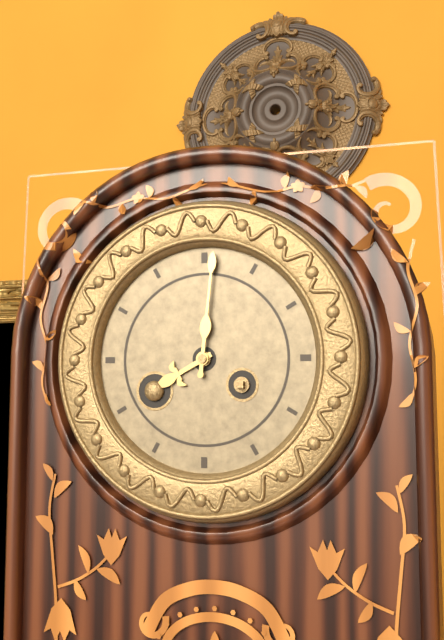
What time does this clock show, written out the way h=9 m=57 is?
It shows h=8 m=1
